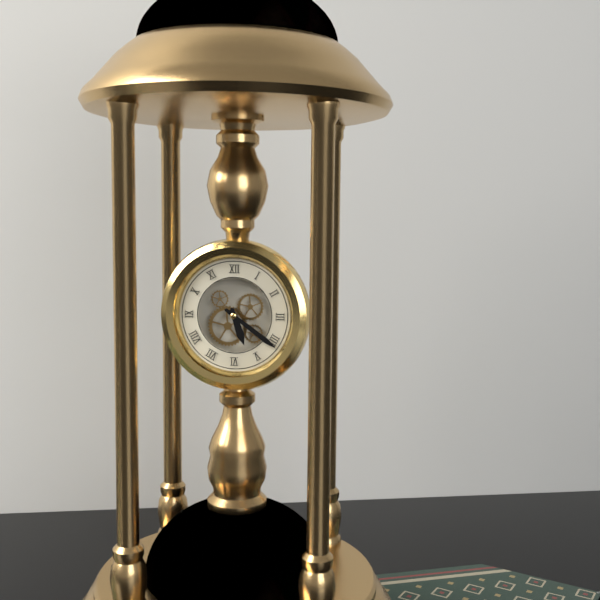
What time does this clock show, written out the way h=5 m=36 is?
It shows h=5 m=21
